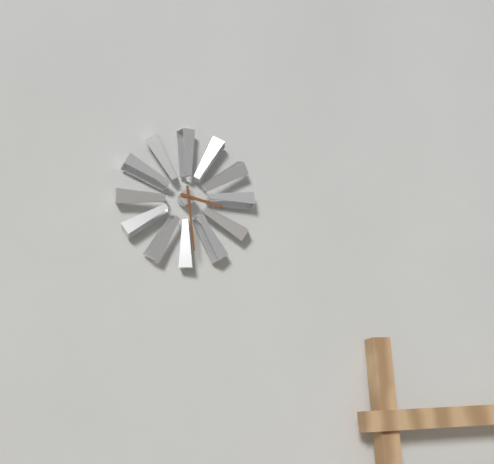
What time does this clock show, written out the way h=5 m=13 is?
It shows h=3 m=29
